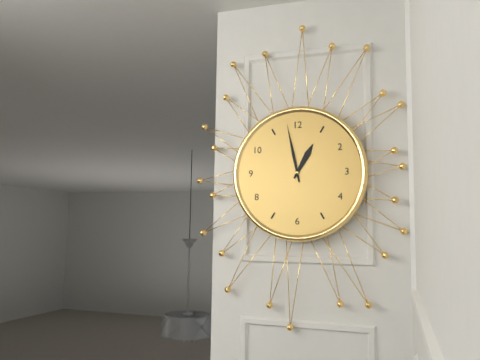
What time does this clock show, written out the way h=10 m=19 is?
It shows h=12 m=58
